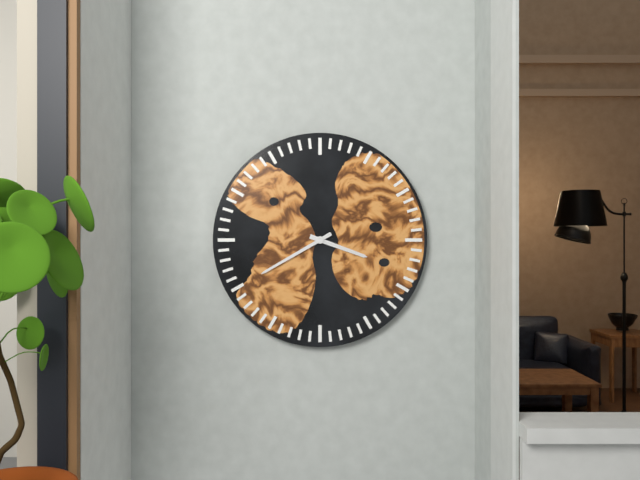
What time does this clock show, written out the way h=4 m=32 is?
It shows h=3 m=40
